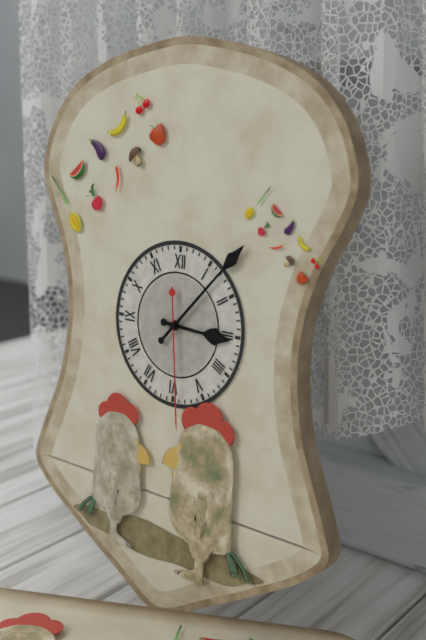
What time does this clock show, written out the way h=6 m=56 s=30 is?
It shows h=3 m=7 s=29
